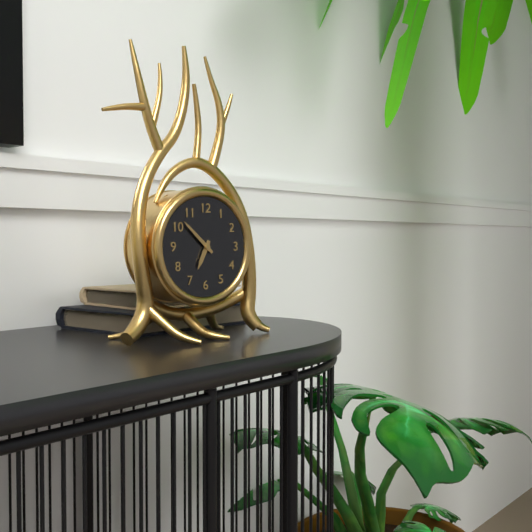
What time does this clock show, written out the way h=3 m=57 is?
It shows h=6 m=52
